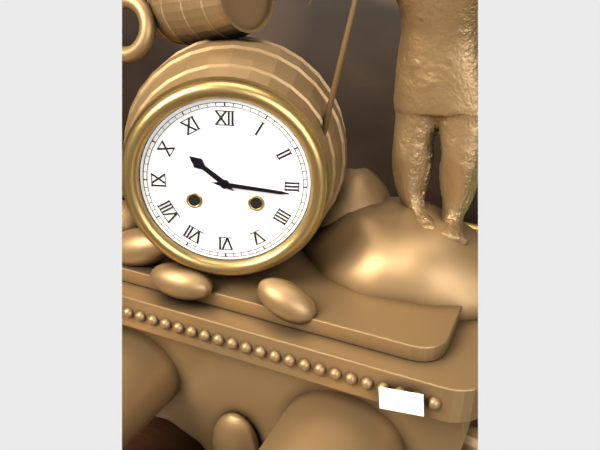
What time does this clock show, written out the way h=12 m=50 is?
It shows h=10 m=16
